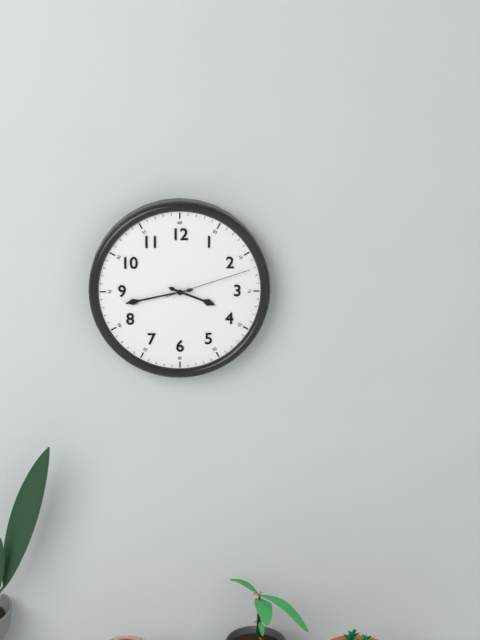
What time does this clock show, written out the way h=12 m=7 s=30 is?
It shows h=3 m=43 s=12
